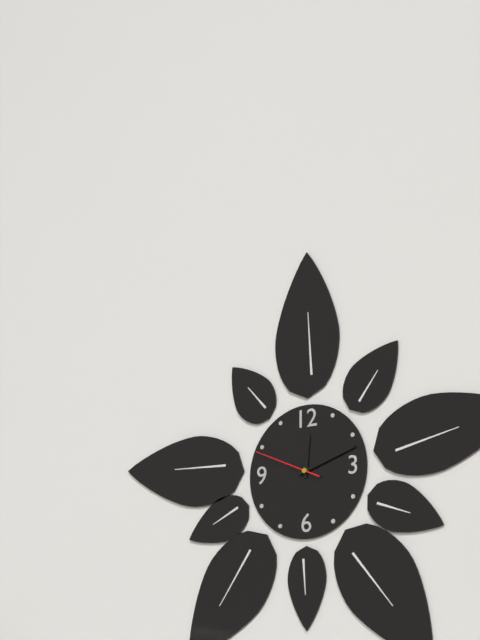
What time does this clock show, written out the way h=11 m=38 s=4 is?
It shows h=12 m=12 s=49
